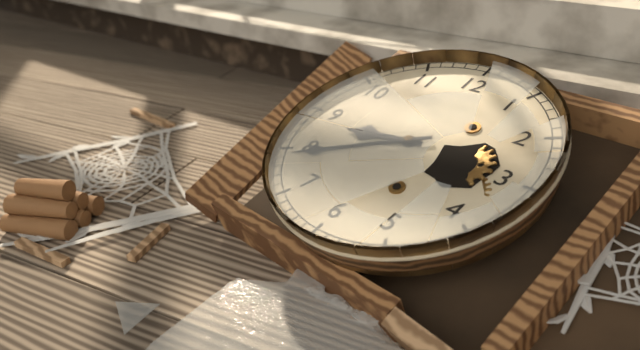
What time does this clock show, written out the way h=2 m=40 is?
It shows h=8 m=39
